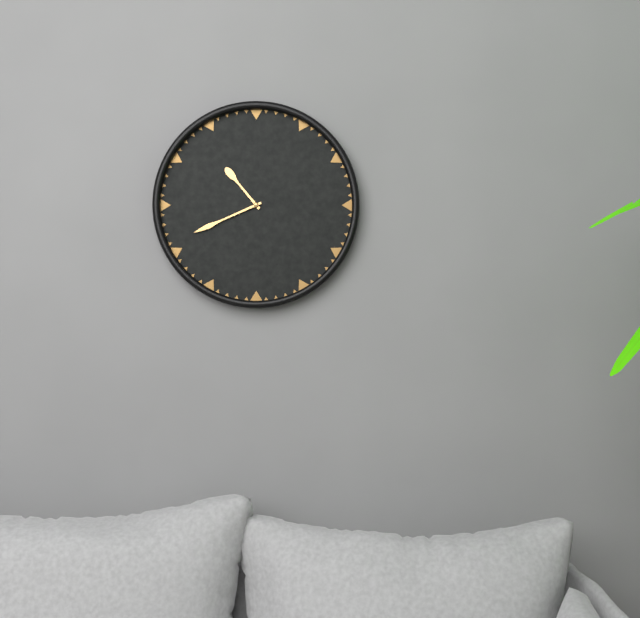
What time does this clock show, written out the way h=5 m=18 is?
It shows h=10 m=41
